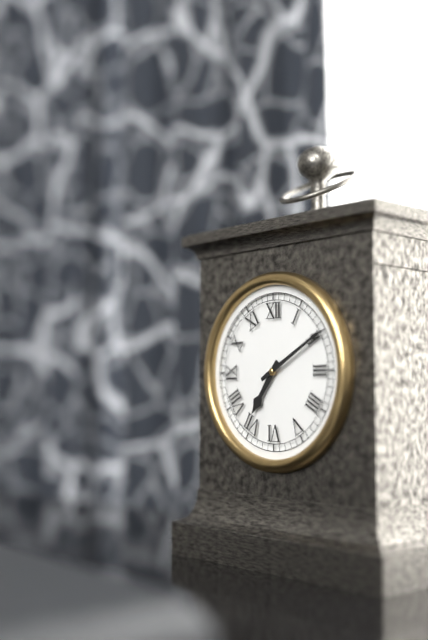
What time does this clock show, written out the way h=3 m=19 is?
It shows h=7 m=10
